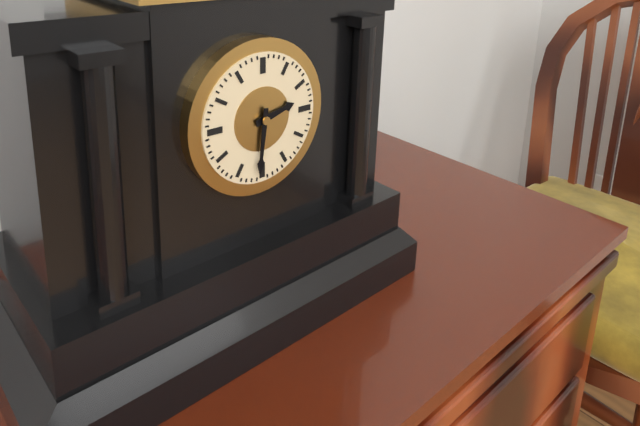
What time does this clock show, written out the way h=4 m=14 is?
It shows h=2 m=31
